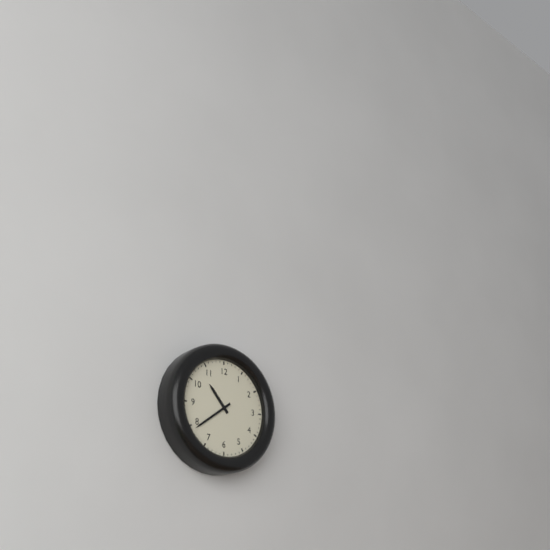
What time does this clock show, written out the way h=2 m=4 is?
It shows h=10 m=39
